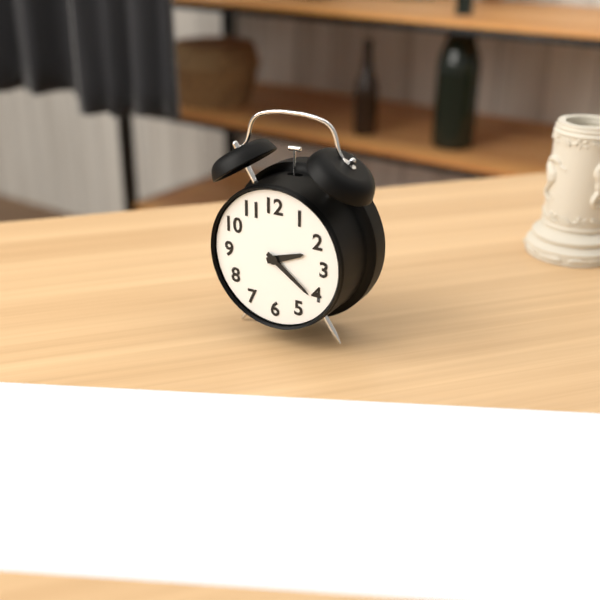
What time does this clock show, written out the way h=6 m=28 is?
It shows h=2 m=21
